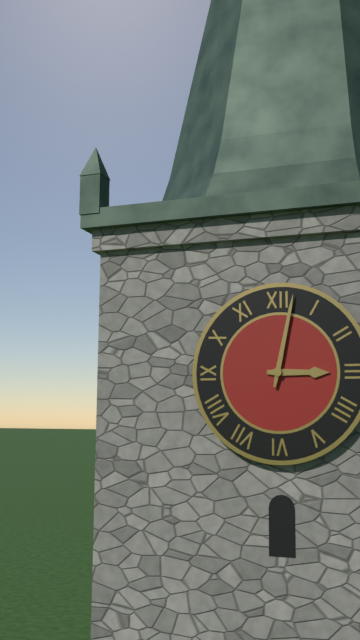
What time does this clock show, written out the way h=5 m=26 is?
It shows h=3 m=2
